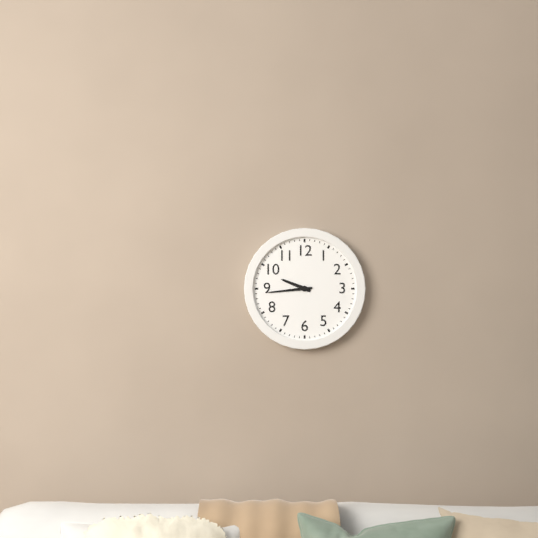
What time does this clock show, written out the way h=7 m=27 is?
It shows h=9 m=44
